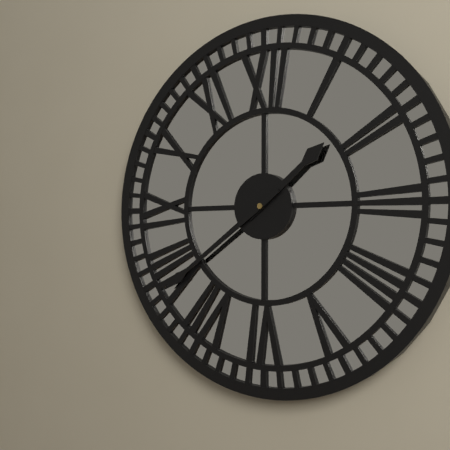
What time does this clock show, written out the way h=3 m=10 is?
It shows h=1 m=39
